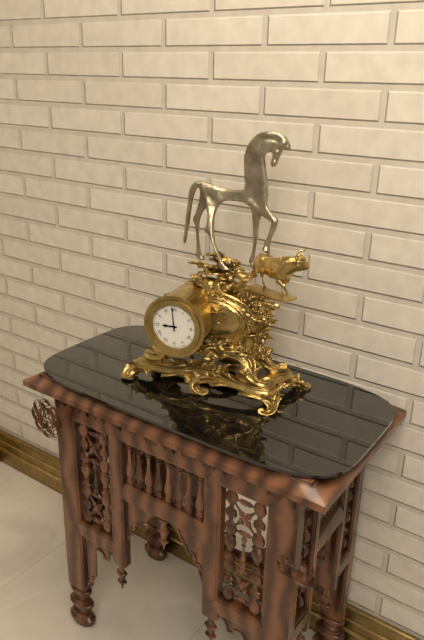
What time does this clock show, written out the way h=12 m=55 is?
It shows h=8 m=59
